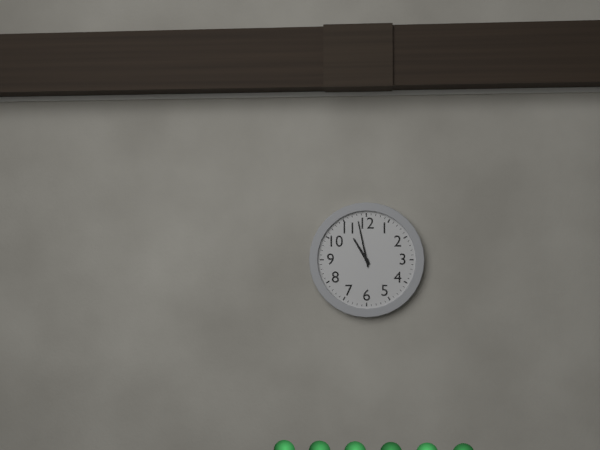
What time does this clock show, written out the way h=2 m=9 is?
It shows h=10 m=58
